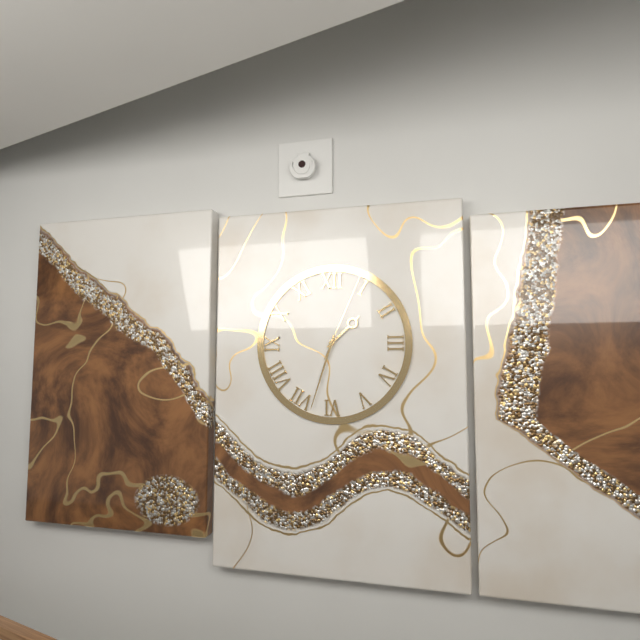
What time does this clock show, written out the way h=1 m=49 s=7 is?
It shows h=1 m=33 s=4
